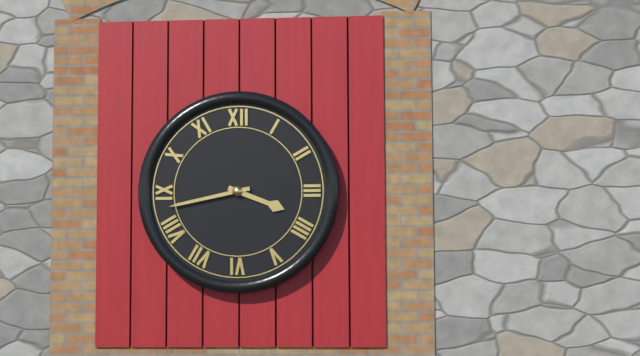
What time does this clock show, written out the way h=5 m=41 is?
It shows h=3 m=43
